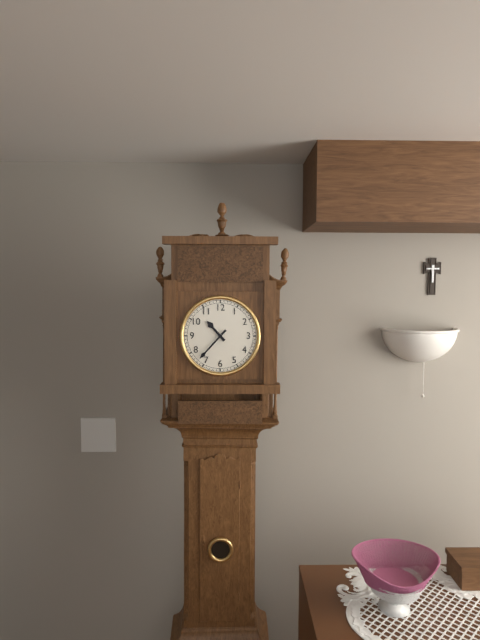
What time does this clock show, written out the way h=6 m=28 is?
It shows h=10 m=37
